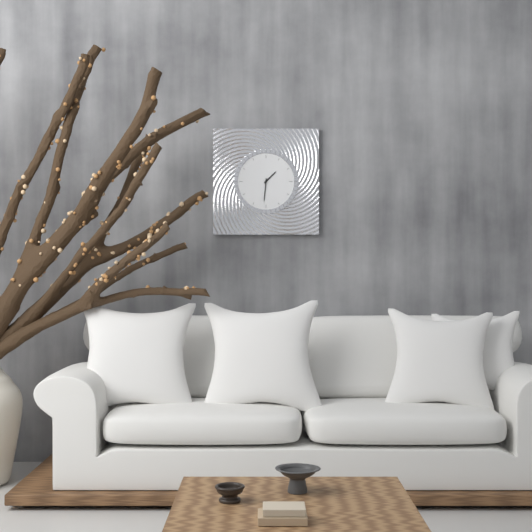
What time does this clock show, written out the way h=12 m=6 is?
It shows h=1 m=31
